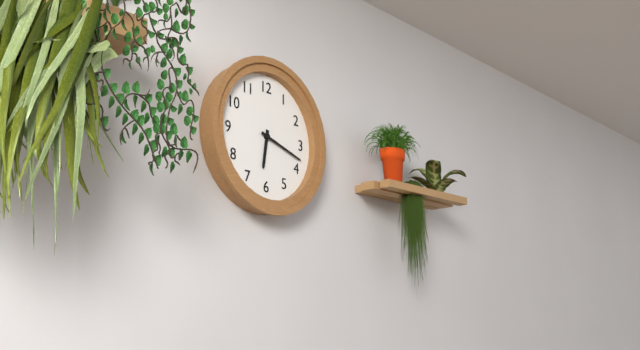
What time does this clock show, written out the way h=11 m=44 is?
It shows h=6 m=18
